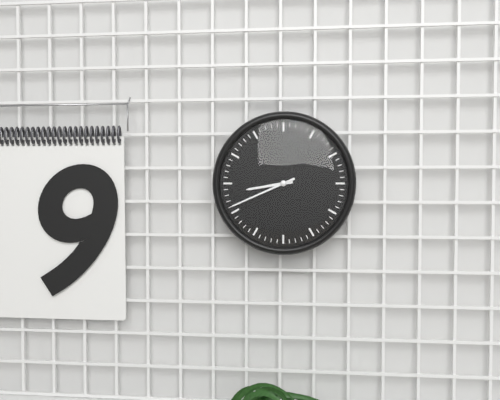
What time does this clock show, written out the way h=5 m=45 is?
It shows h=8 m=41
